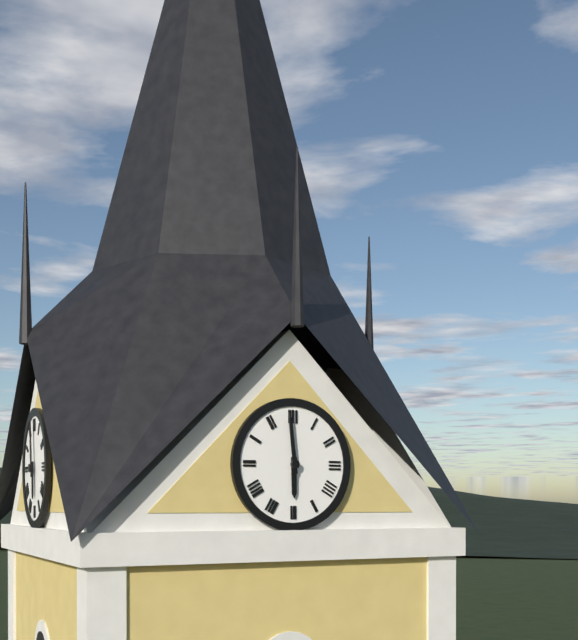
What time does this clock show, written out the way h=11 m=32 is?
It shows h=5 m=59
